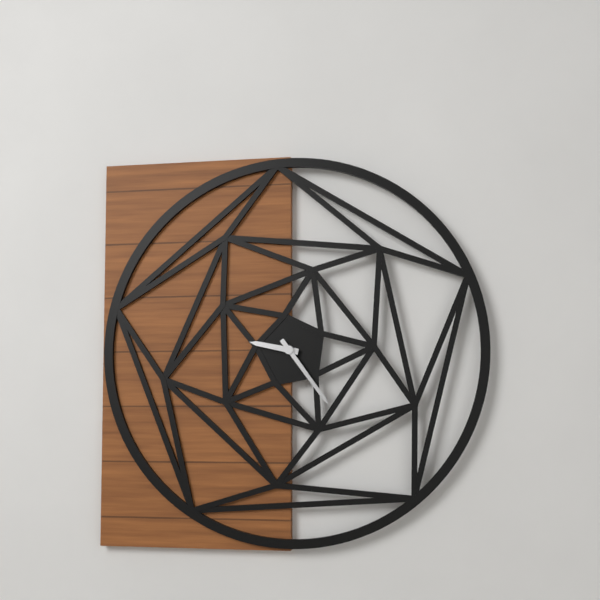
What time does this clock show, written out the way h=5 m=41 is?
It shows h=9 m=24
